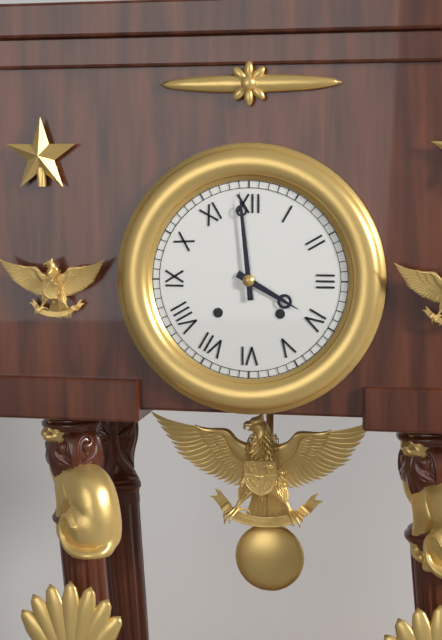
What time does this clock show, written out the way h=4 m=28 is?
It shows h=3 m=59
